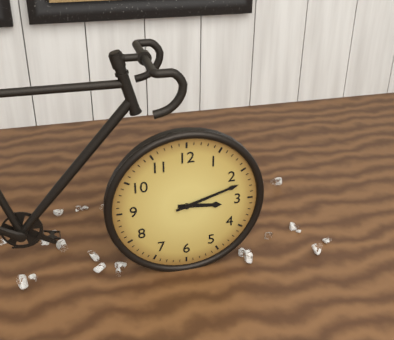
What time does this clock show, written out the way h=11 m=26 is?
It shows h=3 m=12
